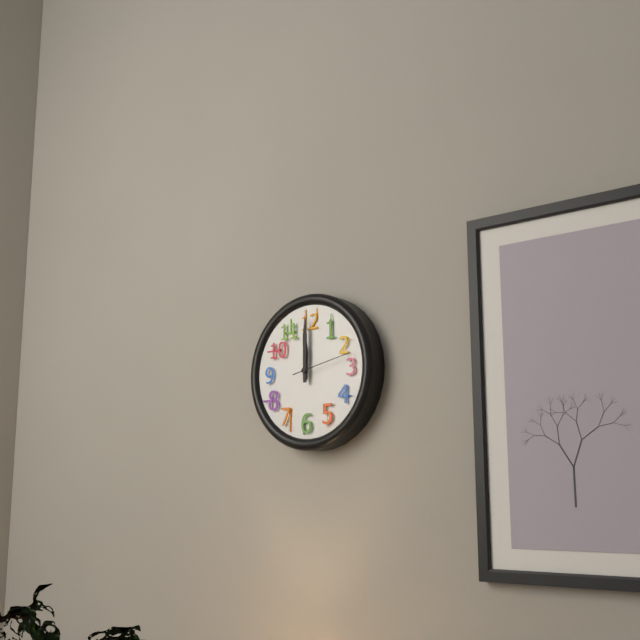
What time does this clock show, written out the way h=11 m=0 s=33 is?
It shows h=12 m=0 s=13
